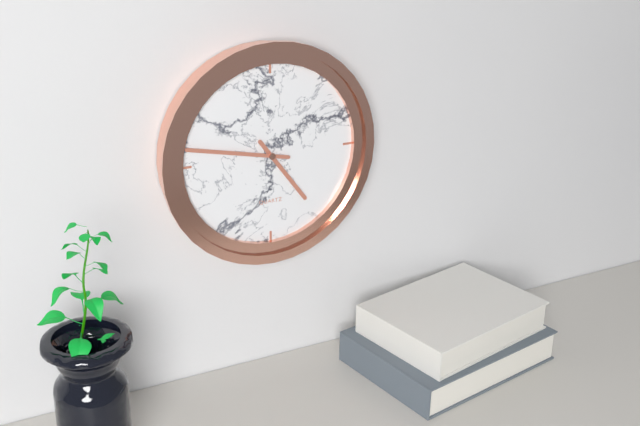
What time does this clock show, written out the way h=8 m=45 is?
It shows h=4 m=47
